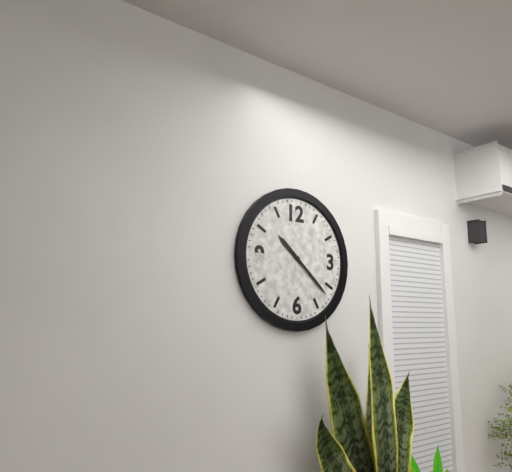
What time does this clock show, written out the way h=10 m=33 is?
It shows h=10 m=22
